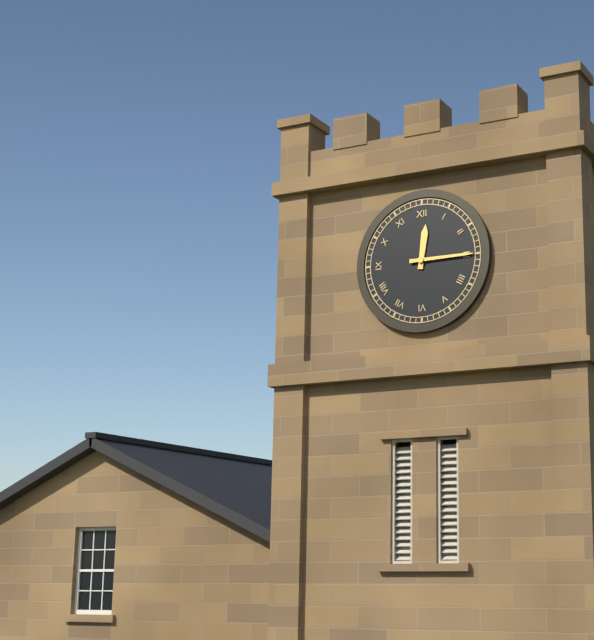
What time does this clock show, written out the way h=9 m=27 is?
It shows h=12 m=15
